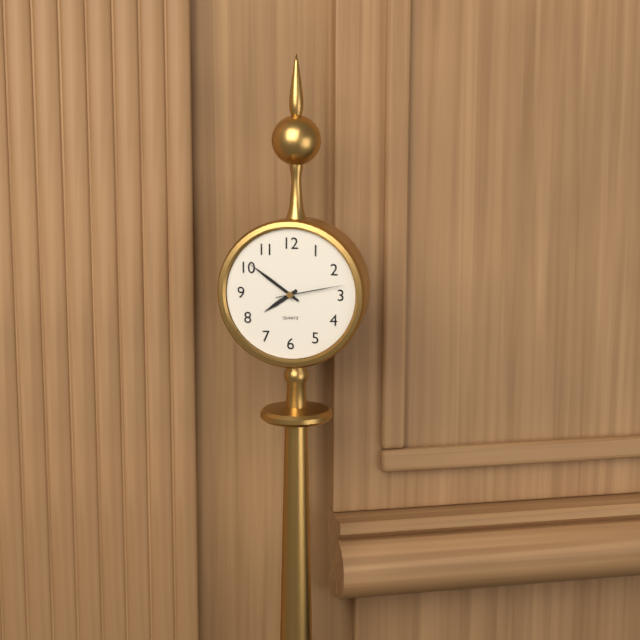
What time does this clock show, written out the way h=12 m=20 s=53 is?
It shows h=7 m=51 s=13
